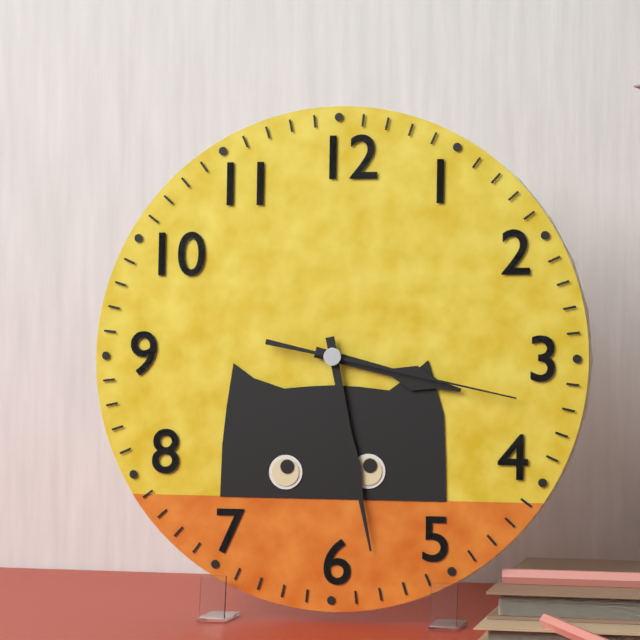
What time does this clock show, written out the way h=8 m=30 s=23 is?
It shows h=3 m=28 s=17
